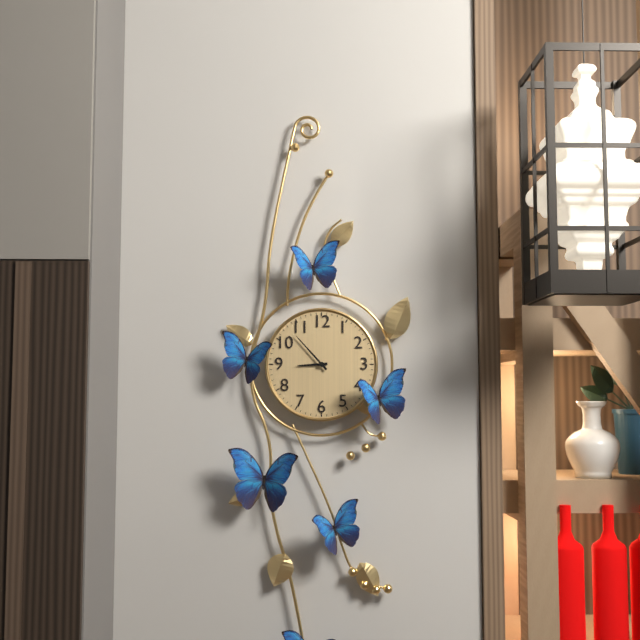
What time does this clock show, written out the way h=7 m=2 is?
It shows h=8 m=53
